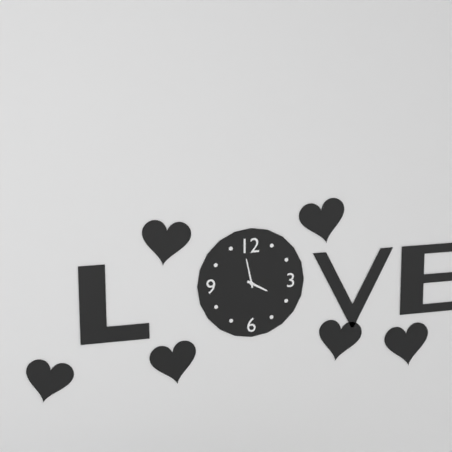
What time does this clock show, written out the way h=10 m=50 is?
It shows h=3 m=58
